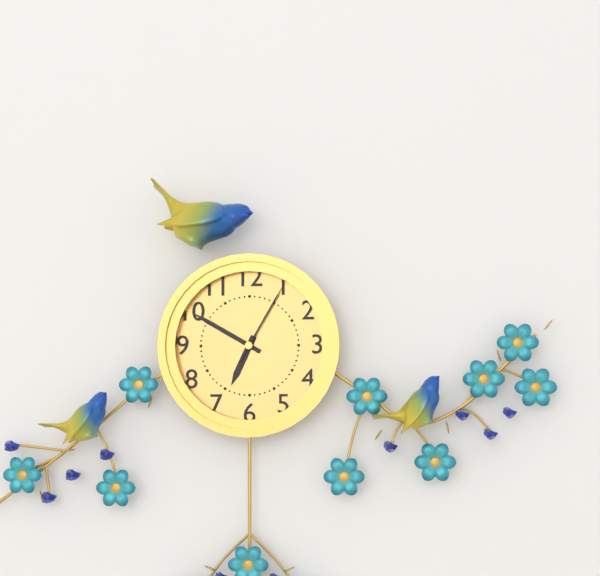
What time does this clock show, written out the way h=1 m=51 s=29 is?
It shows h=6 m=50 s=5
